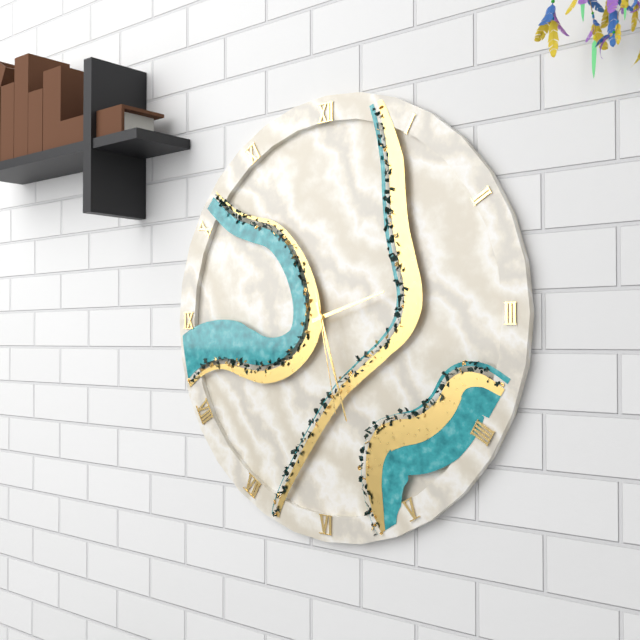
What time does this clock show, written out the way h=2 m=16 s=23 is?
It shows h=2 m=27 s=28
